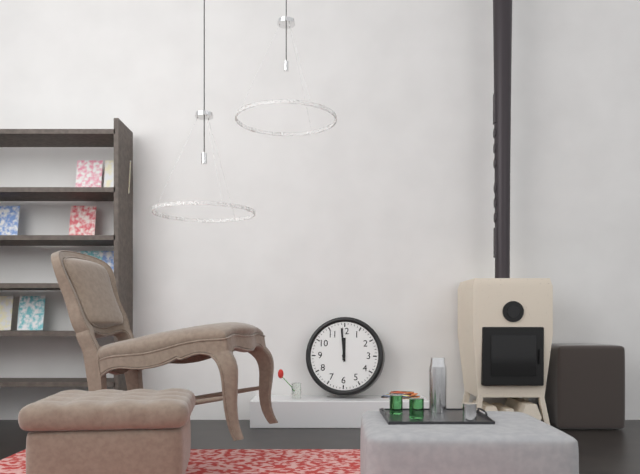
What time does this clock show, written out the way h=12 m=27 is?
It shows h=11 m=59
